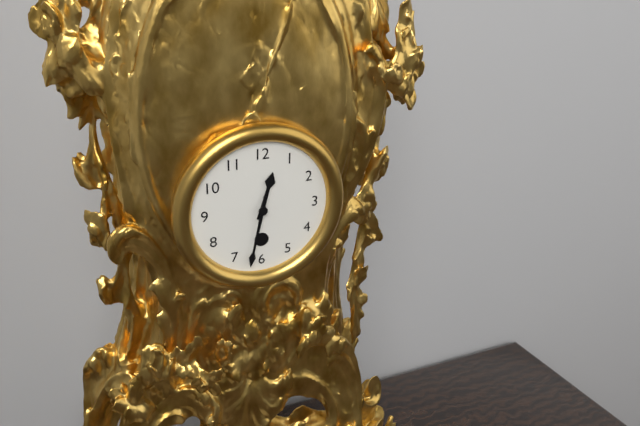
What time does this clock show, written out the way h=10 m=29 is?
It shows h=12 m=32
